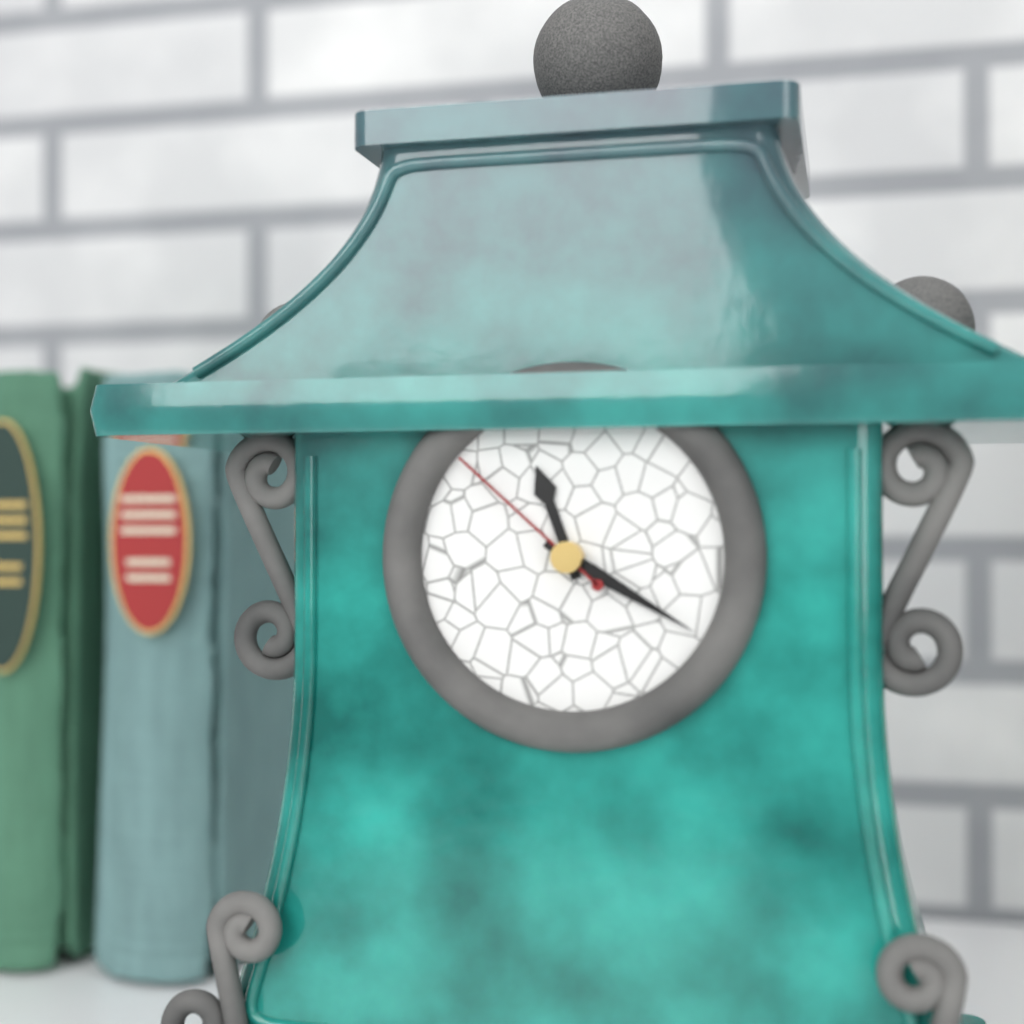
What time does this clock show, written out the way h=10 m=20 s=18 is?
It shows h=11 m=20 s=52
